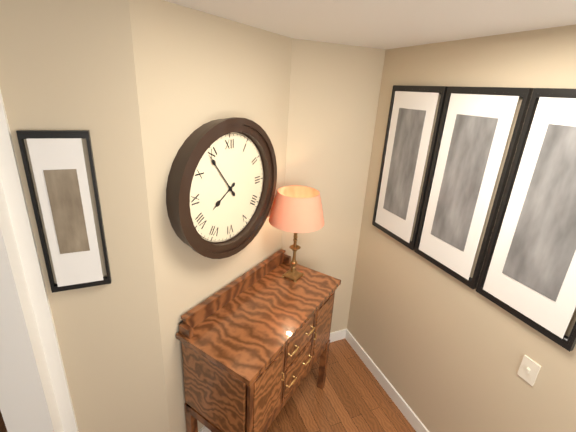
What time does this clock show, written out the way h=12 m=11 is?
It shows h=7 m=54
